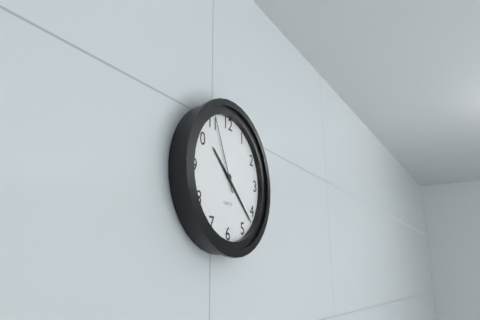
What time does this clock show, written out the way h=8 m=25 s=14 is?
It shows h=10 m=22 s=56
